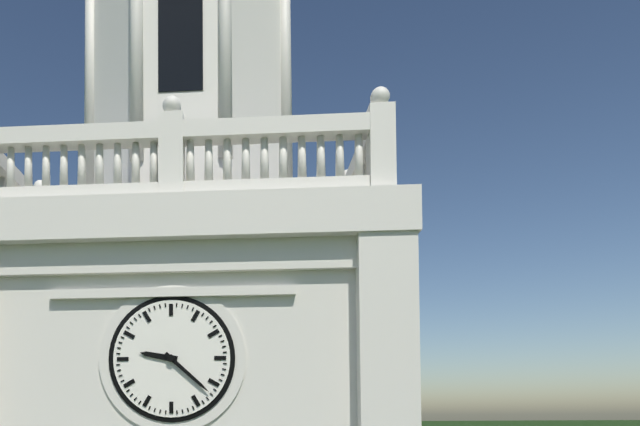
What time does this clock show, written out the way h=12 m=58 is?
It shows h=9 m=22
